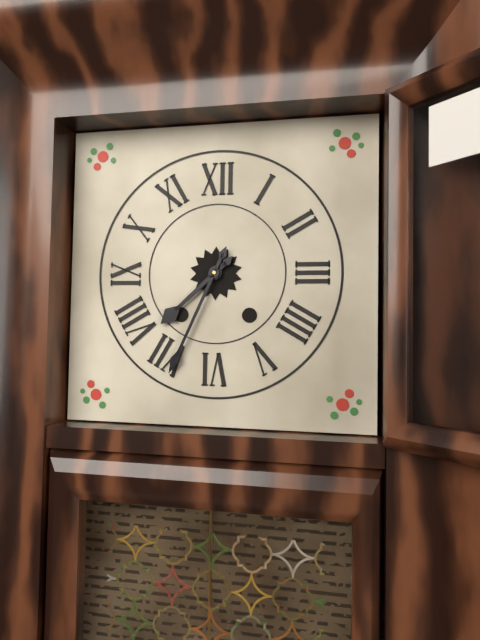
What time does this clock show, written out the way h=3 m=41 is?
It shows h=7 m=34
